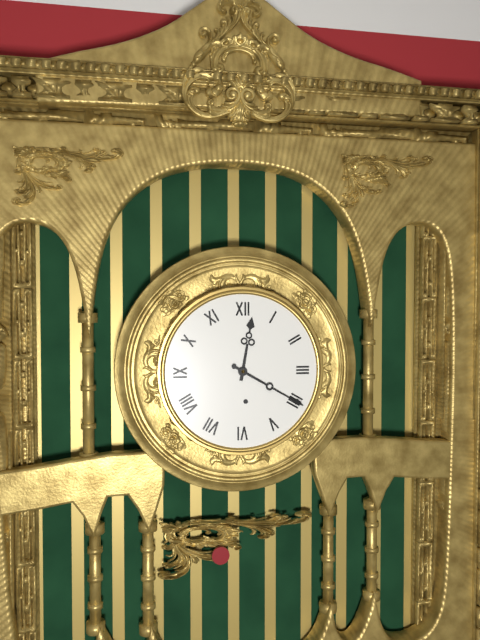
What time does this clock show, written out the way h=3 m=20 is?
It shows h=12 m=20
